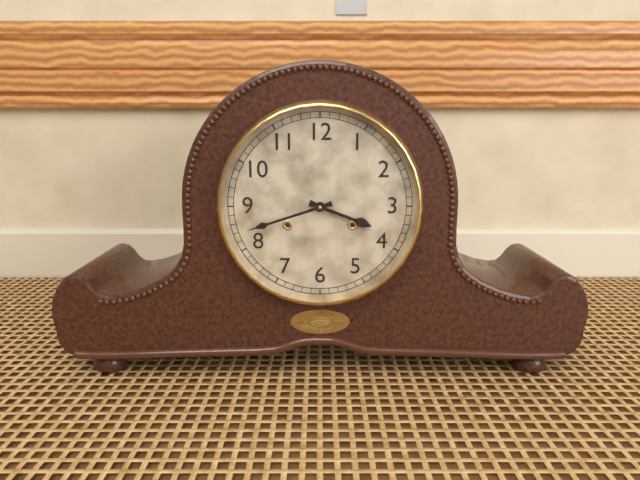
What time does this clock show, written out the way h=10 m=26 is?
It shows h=3 m=42
